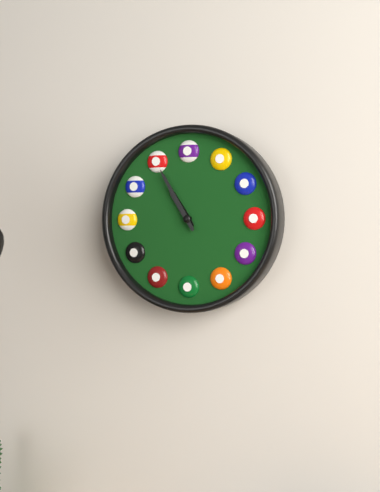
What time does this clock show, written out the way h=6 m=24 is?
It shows h=10 m=55
